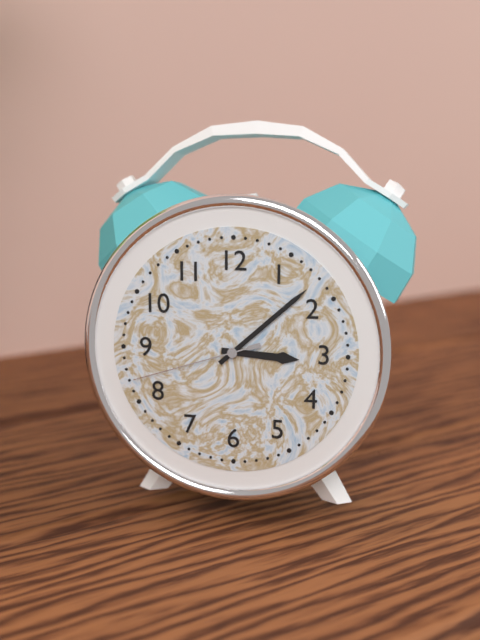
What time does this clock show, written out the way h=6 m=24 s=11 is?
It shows h=3 m=8 s=42
